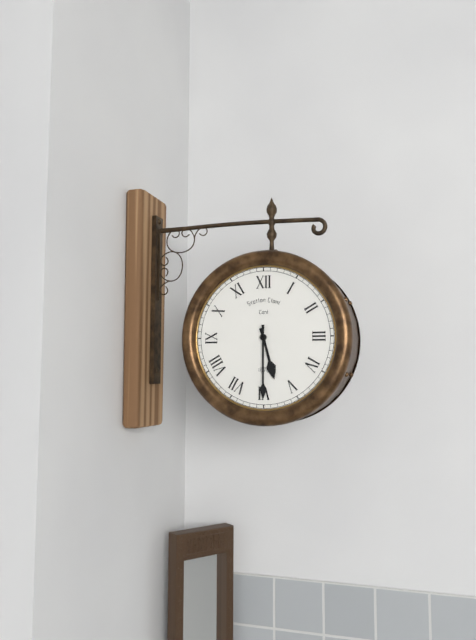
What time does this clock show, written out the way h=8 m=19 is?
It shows h=5 m=30
